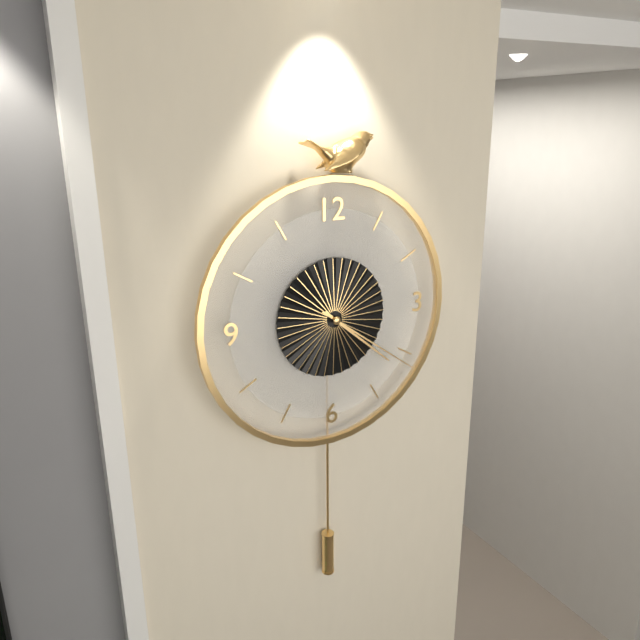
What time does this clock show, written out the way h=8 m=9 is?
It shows h=4 m=21
